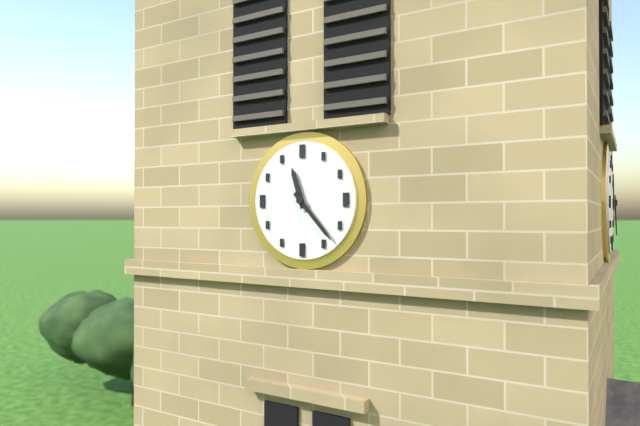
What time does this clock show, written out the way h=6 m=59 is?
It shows h=11 m=23
